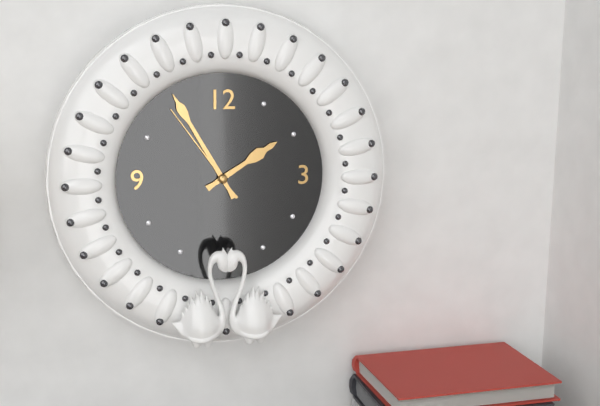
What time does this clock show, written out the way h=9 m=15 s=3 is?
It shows h=1 m=55 s=54
